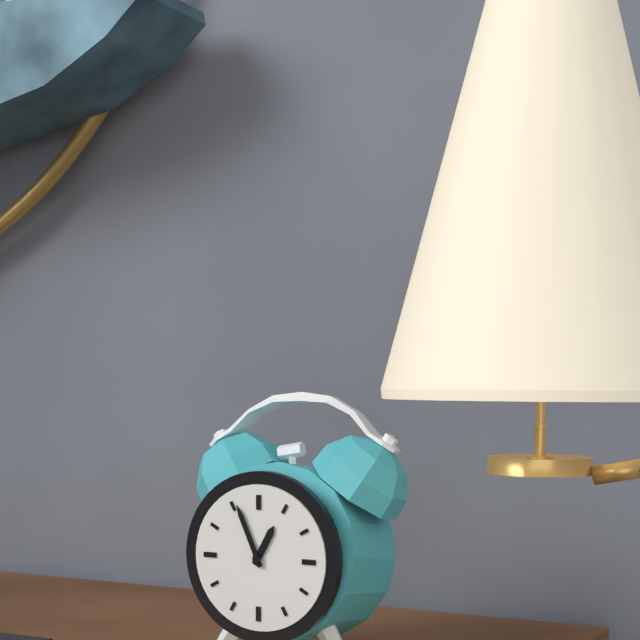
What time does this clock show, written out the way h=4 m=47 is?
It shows h=12 m=56
